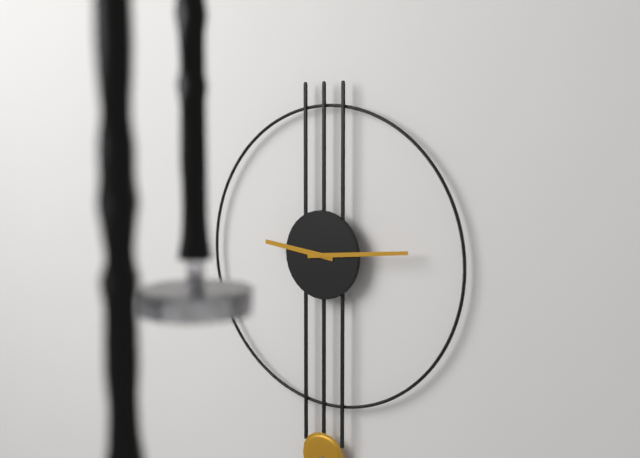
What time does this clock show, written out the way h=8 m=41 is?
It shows h=9 m=14
